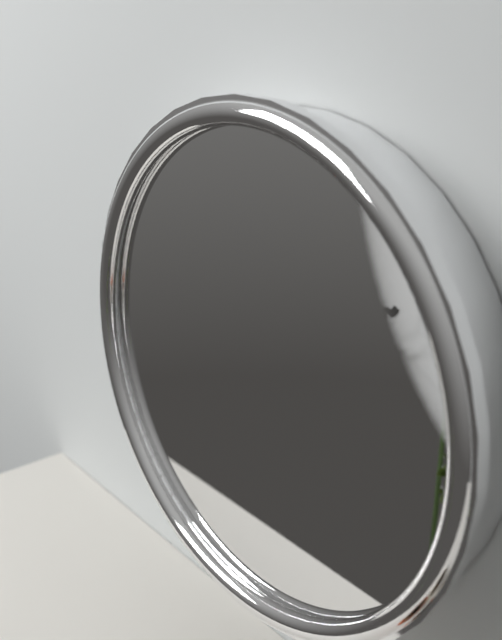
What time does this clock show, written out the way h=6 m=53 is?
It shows h=5 m=11
